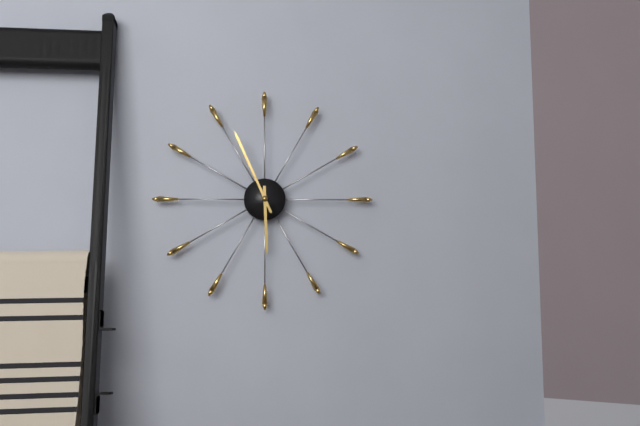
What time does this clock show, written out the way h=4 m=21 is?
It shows h=5 m=56
